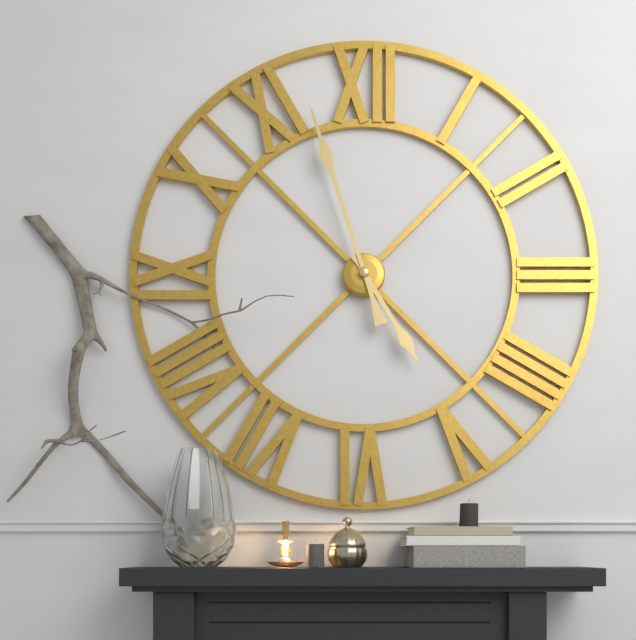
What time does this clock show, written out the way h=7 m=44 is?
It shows h=4 m=57
